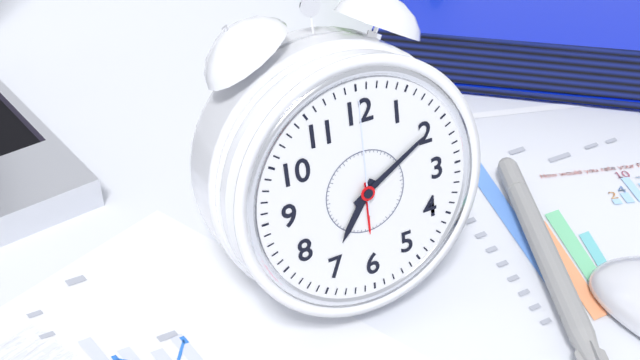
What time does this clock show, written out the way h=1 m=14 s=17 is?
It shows h=7 m=10 s=0
